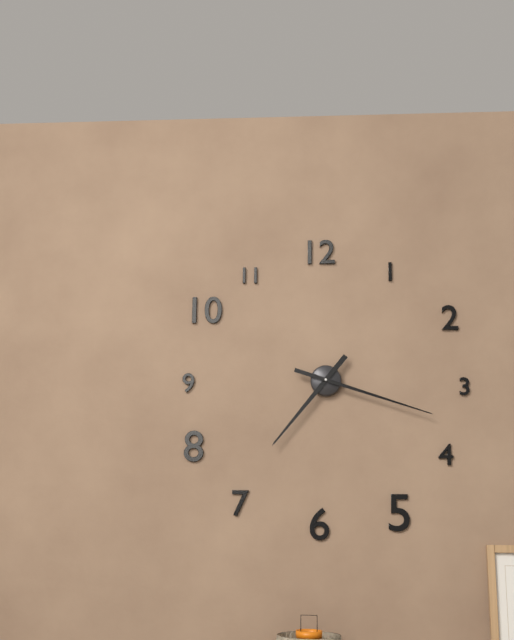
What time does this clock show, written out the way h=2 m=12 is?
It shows h=7 m=18
